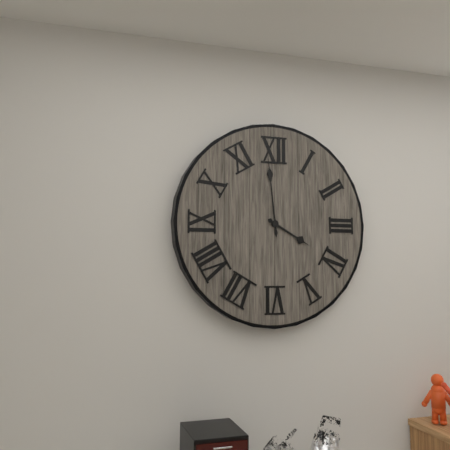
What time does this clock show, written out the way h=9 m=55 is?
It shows h=3 m=59
